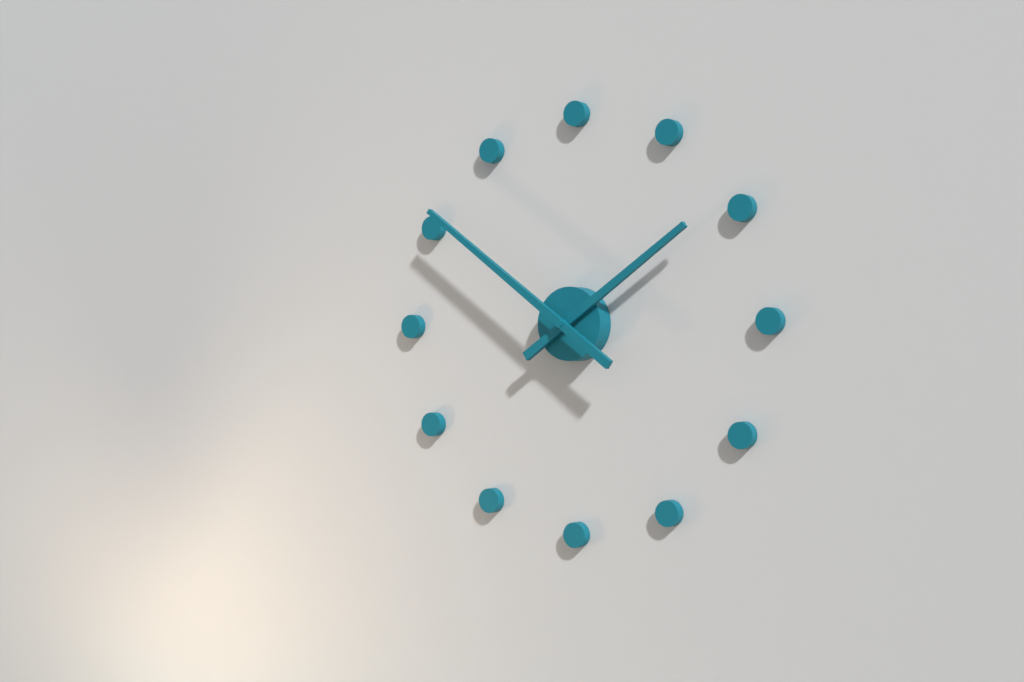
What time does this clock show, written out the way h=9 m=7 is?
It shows h=1 m=51
